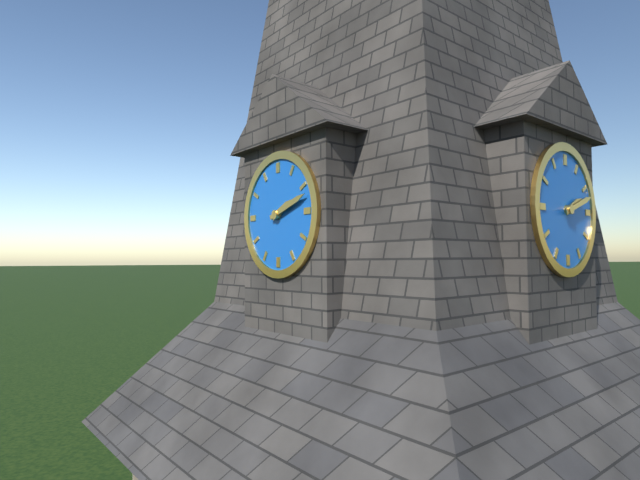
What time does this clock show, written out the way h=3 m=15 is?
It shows h=2 m=12
